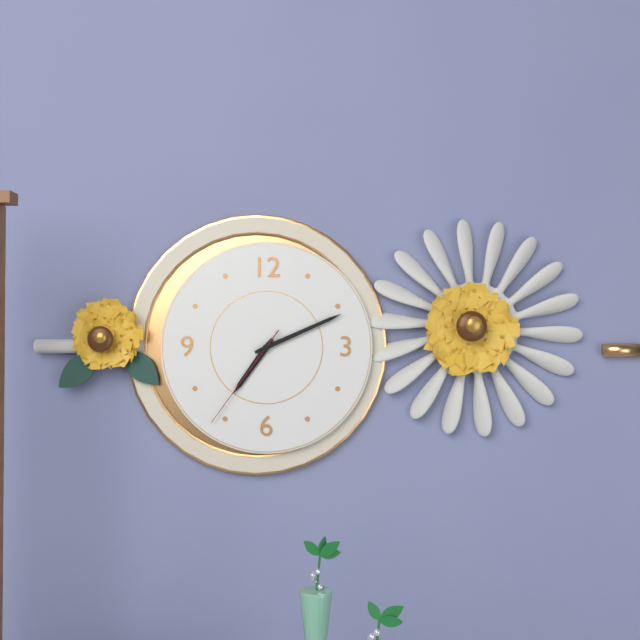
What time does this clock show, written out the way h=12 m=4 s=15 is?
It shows h=7 m=11 s=36
